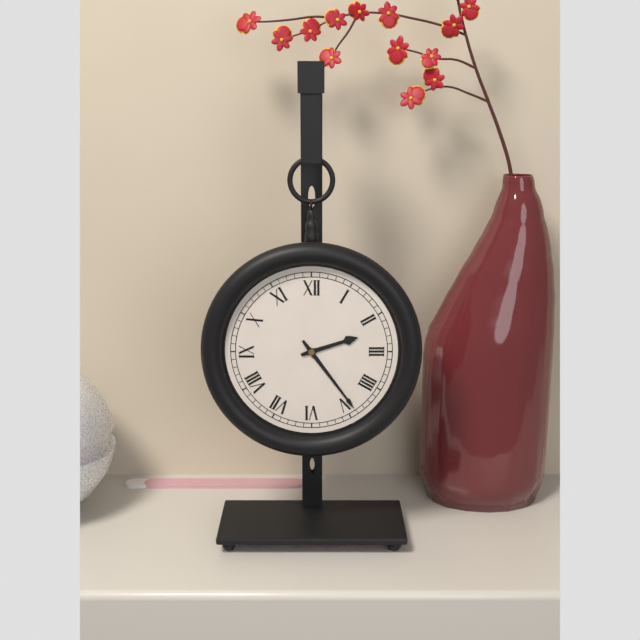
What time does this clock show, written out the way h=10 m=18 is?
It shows h=2 m=24
